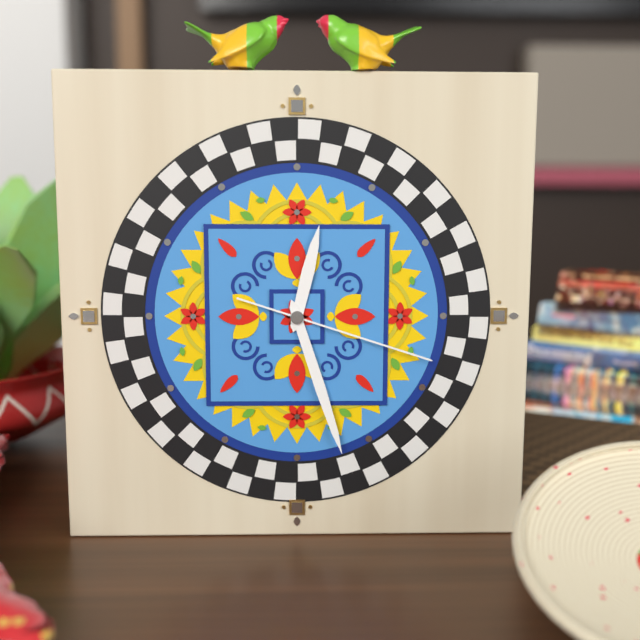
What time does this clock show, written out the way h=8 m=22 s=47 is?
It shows h=12 m=27 s=18
